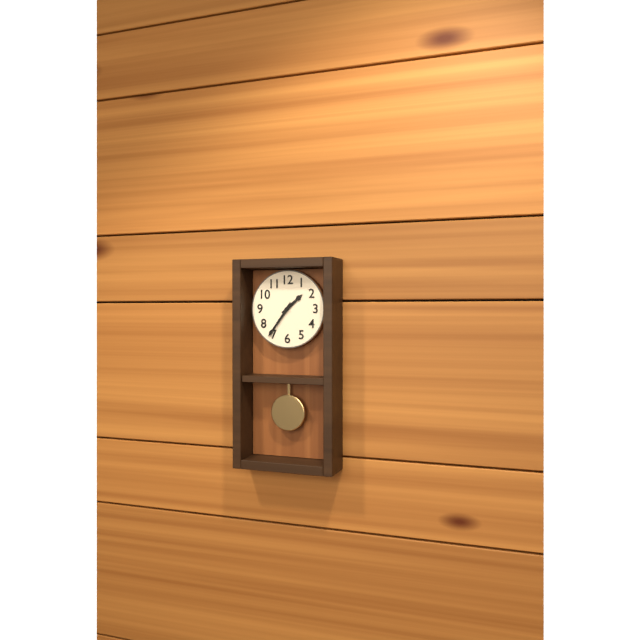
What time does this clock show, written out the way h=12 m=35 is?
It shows h=1 m=36
